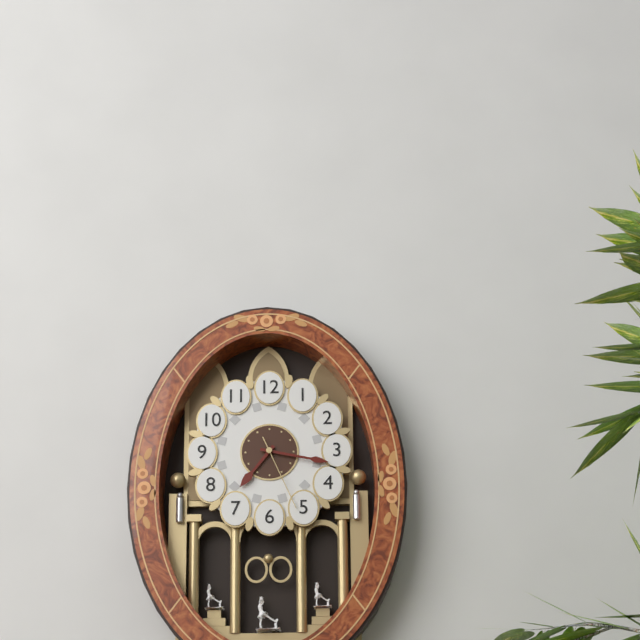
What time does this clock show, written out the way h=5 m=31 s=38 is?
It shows h=7 m=17 s=26
